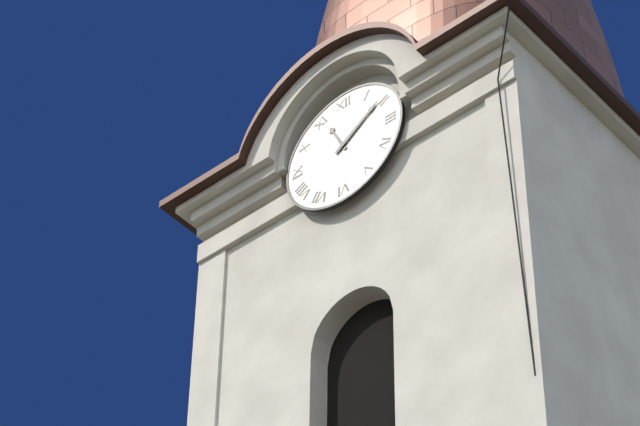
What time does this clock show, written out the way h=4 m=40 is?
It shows h=11 m=9
